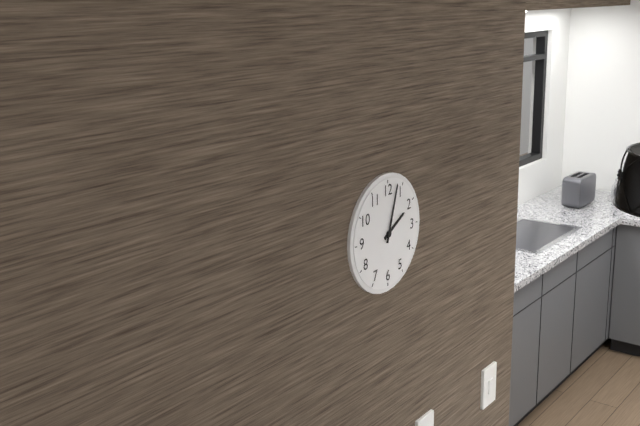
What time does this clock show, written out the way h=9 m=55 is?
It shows h=2 m=3
